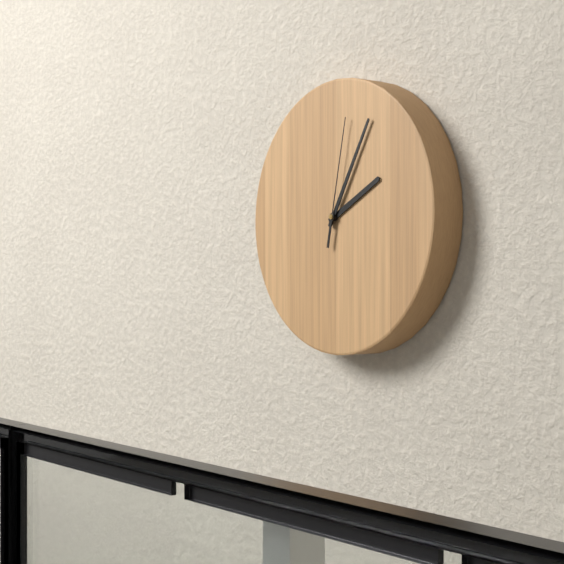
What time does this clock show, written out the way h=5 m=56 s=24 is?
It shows h=2 m=5 s=2
